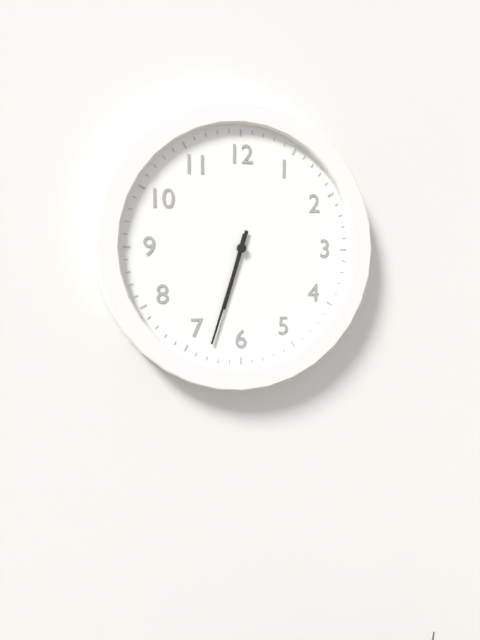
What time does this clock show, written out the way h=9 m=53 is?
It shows h=6 m=33
